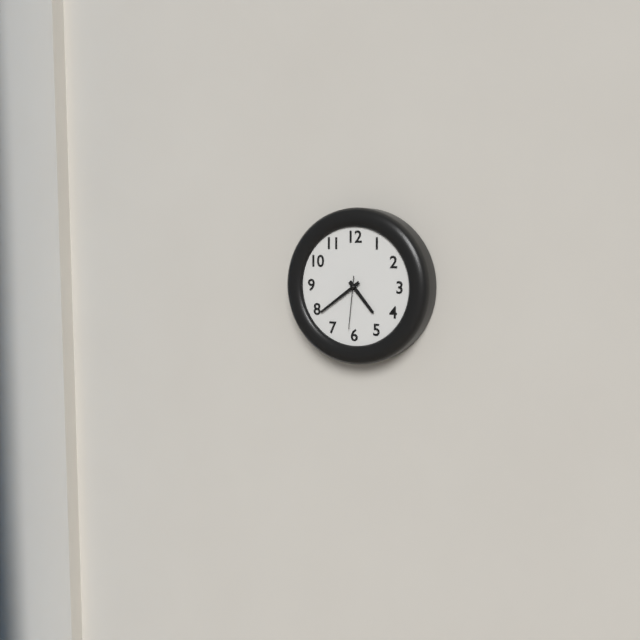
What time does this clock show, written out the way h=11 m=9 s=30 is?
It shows h=4 m=39 s=31
